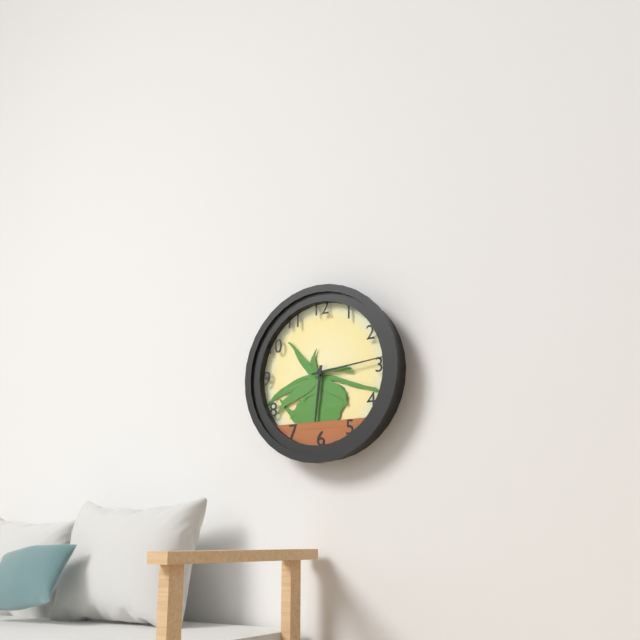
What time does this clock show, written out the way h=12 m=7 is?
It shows h=6 m=14
